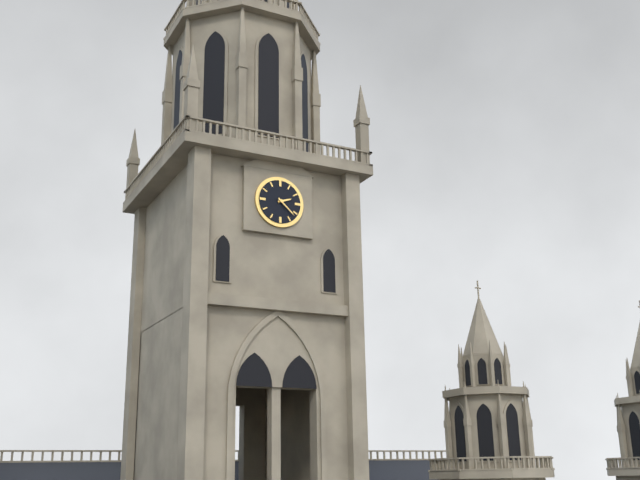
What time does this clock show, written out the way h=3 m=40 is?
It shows h=2 m=22
